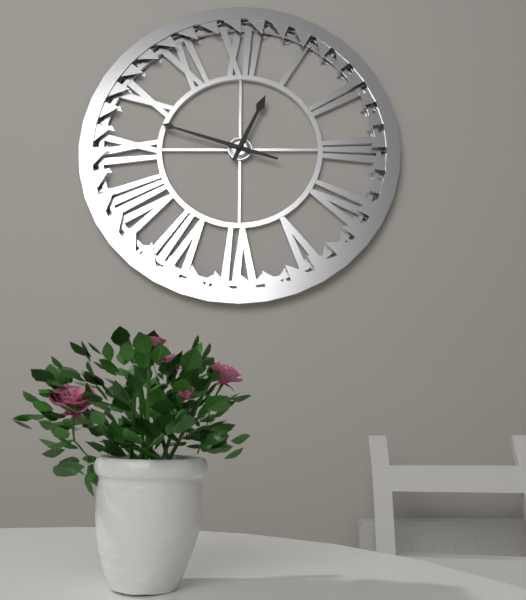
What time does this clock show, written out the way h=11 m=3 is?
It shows h=12 m=48
